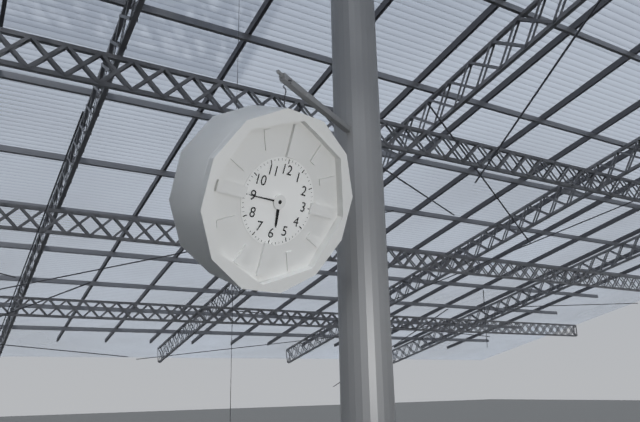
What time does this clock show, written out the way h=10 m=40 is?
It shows h=5 m=45
